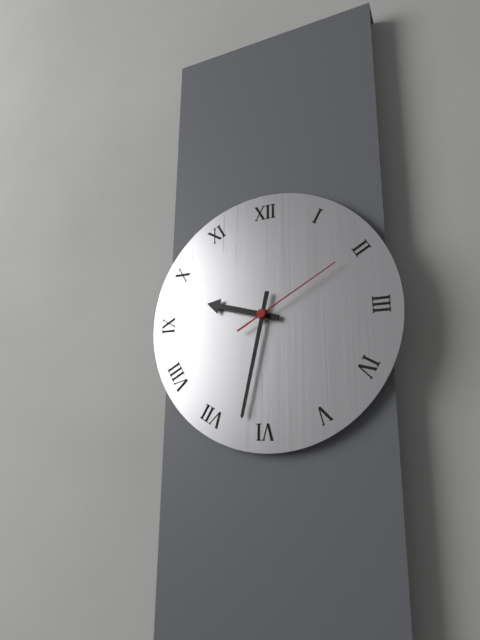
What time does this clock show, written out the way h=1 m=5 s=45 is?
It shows h=9 m=32 s=10
